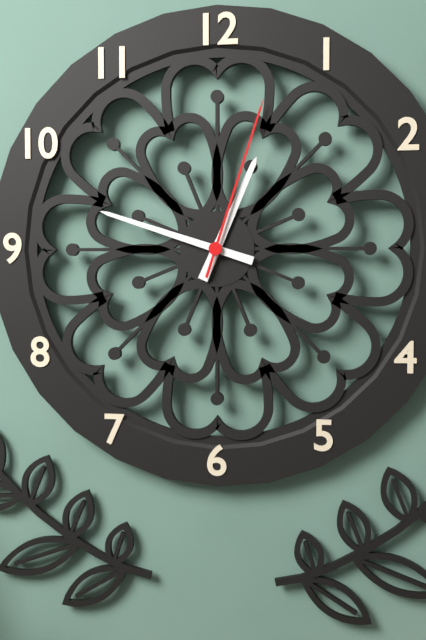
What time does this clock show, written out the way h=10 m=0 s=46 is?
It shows h=12 m=48 s=3
